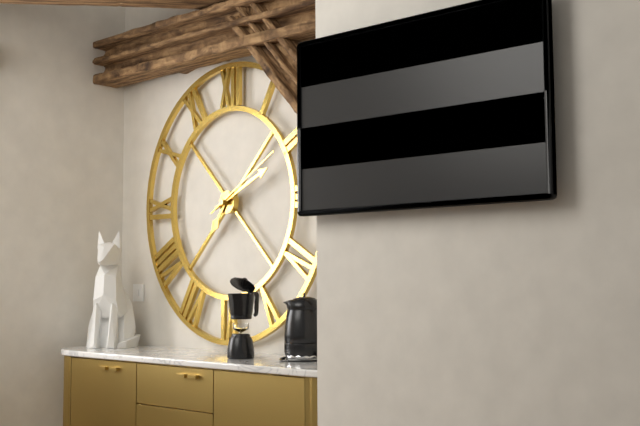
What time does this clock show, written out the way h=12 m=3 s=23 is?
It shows h=7 m=11 s=10
